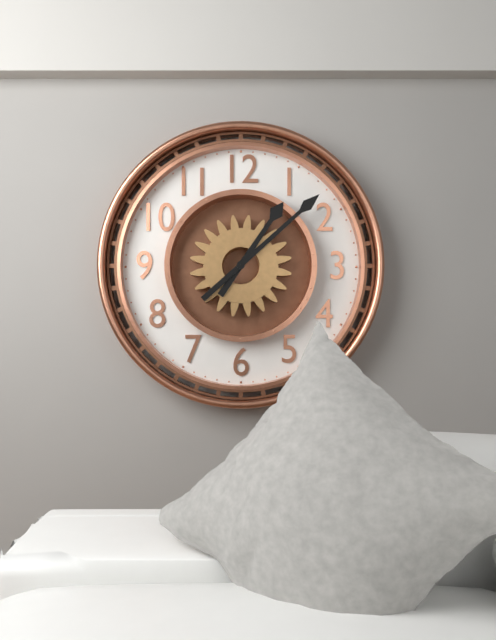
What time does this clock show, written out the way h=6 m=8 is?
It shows h=1 m=8
